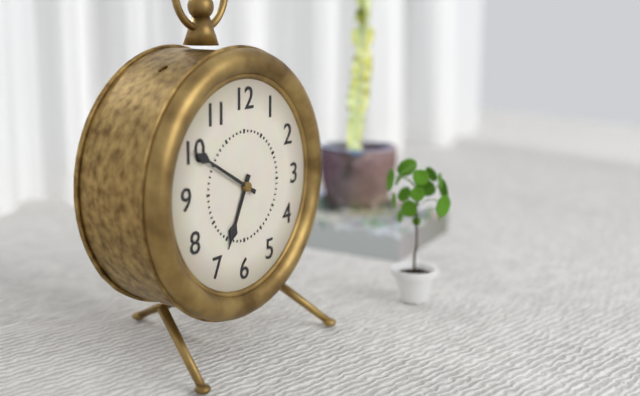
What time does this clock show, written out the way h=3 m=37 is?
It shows h=6 m=50
